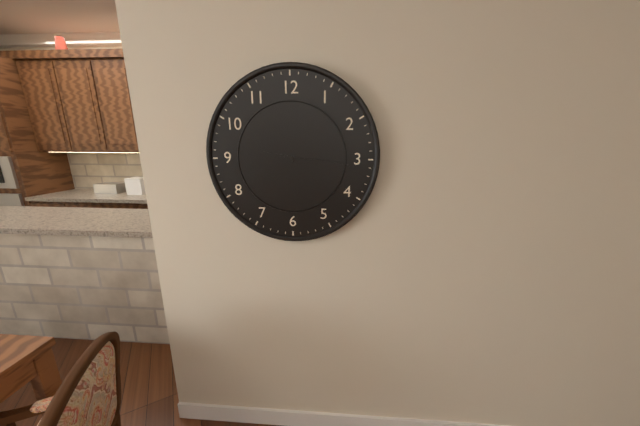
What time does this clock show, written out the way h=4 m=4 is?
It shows h=9 m=16
